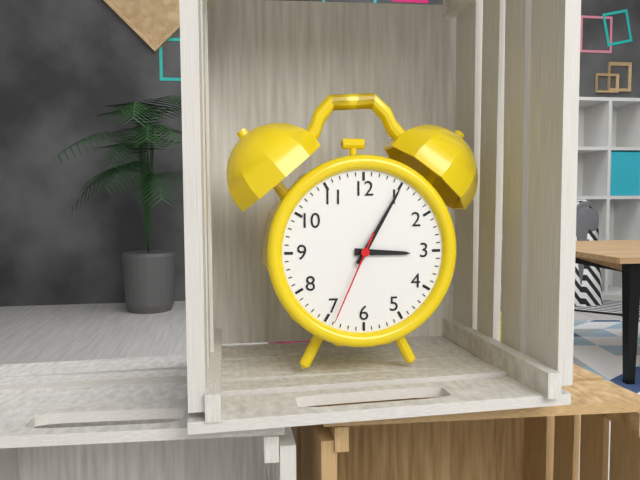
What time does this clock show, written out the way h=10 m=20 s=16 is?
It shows h=3 m=5 s=34
